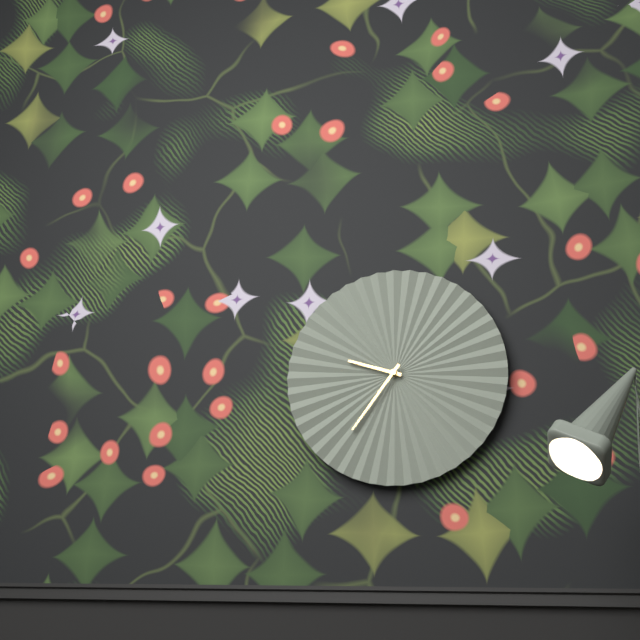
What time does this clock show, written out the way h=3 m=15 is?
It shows h=9 m=36
